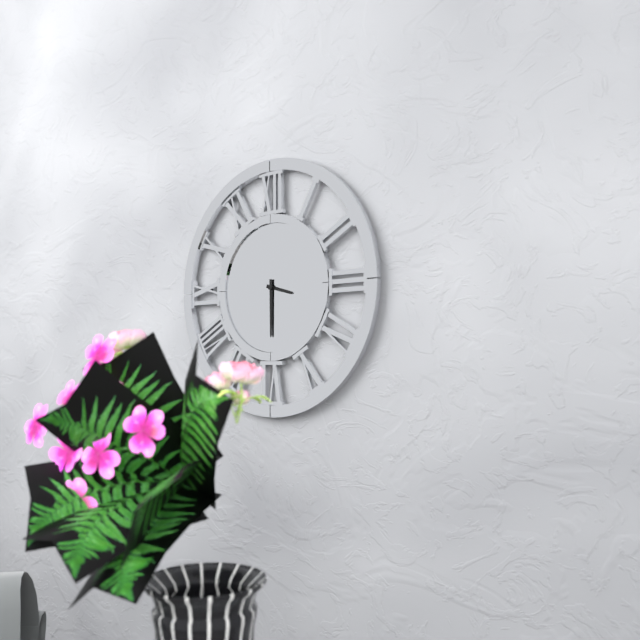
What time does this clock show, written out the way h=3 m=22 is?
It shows h=3 m=30
